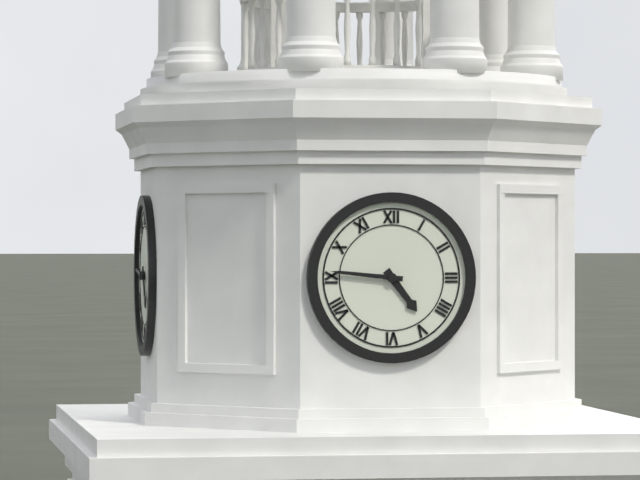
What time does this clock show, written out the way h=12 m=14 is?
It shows h=4 m=46
